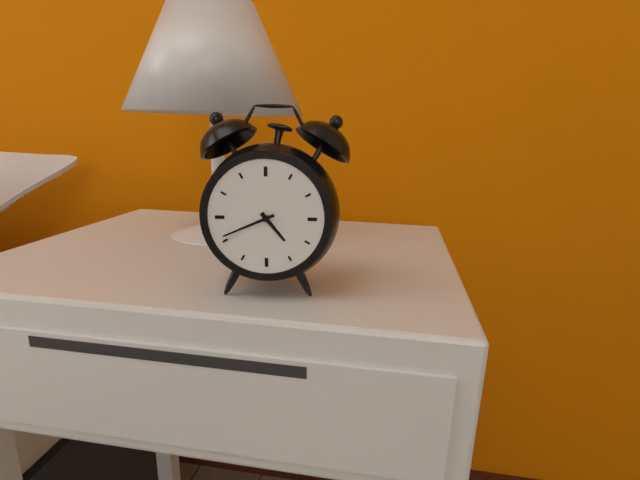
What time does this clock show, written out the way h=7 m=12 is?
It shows h=4 m=41
